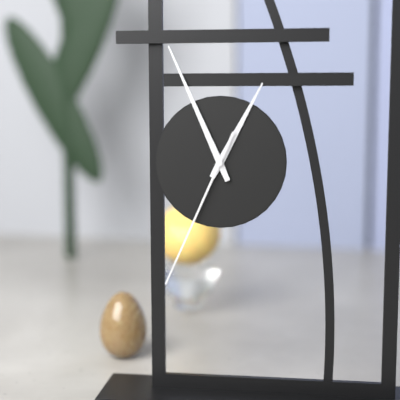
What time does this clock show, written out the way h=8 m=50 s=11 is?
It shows h=12 m=56 s=34
